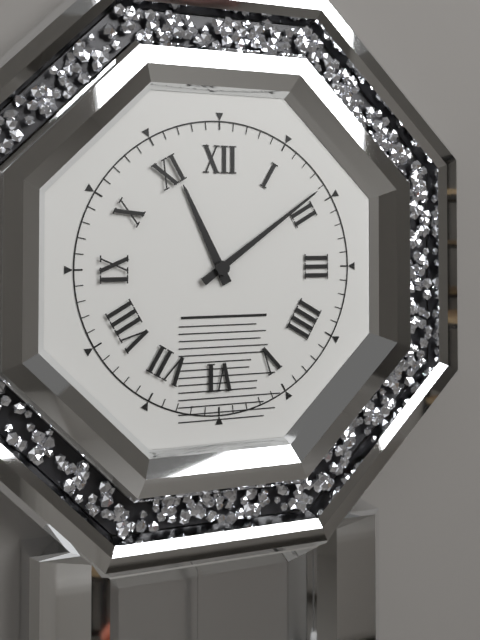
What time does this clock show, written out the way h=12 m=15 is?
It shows h=11 m=9
